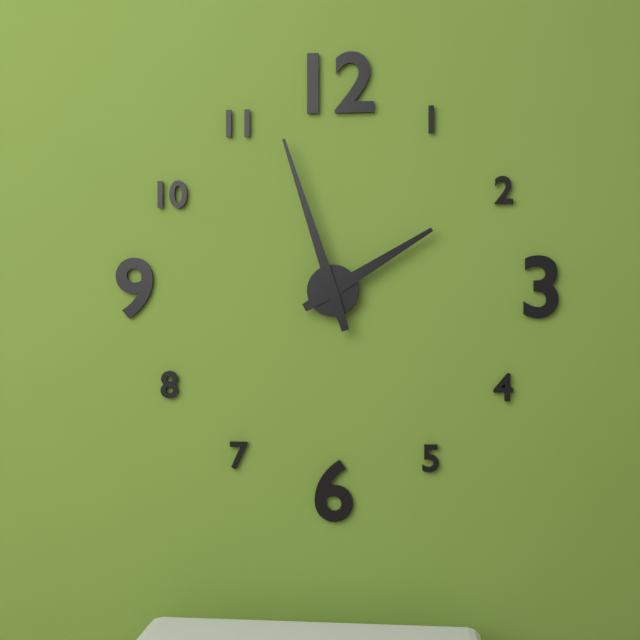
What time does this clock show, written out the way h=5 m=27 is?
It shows h=1 m=57
